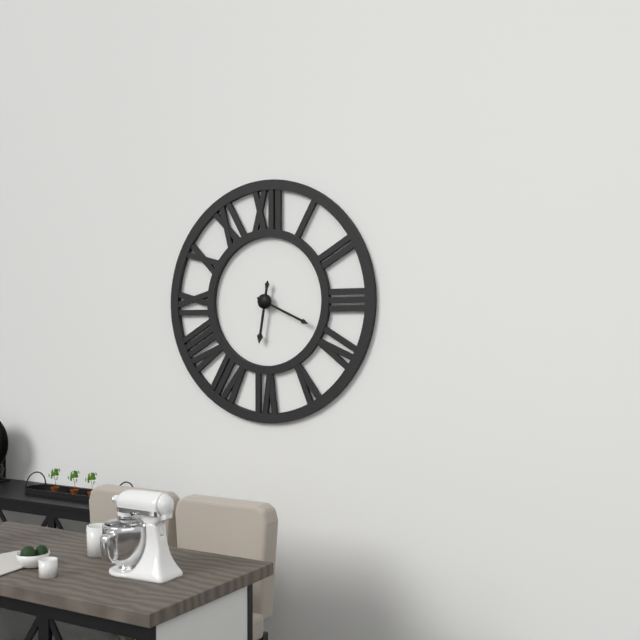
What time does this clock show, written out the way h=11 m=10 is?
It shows h=6 m=19
